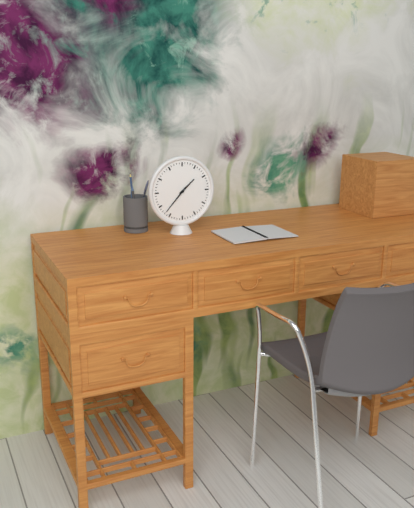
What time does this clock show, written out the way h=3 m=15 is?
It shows h=1 m=37
